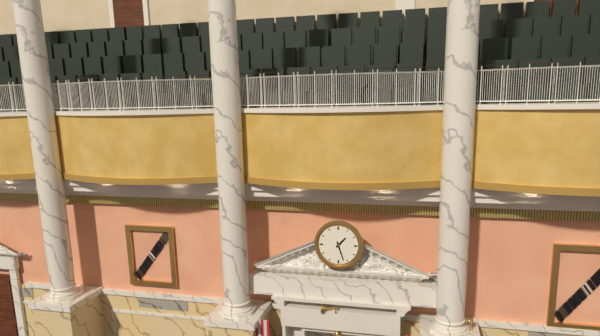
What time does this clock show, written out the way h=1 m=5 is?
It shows h=1 m=27
